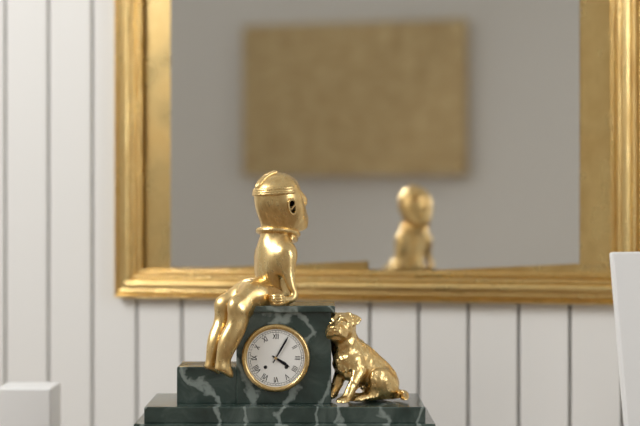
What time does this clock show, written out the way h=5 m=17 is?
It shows h=4 m=5
